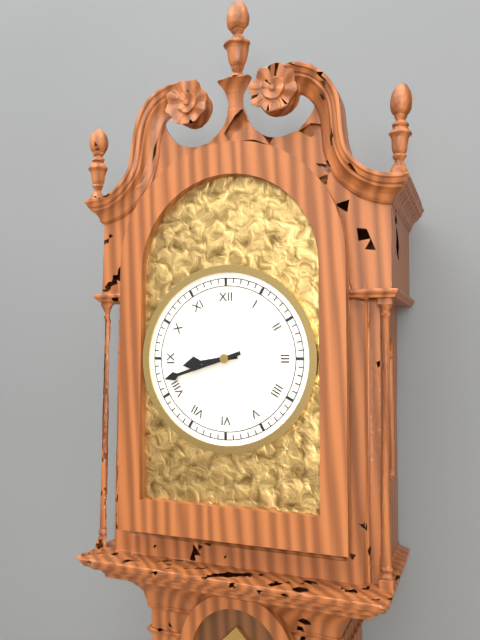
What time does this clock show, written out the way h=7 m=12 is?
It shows h=8 m=42
